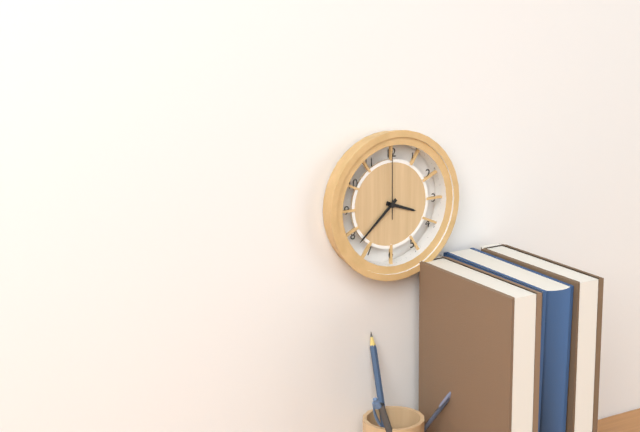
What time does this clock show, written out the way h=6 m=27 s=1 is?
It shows h=3 m=38 s=0
